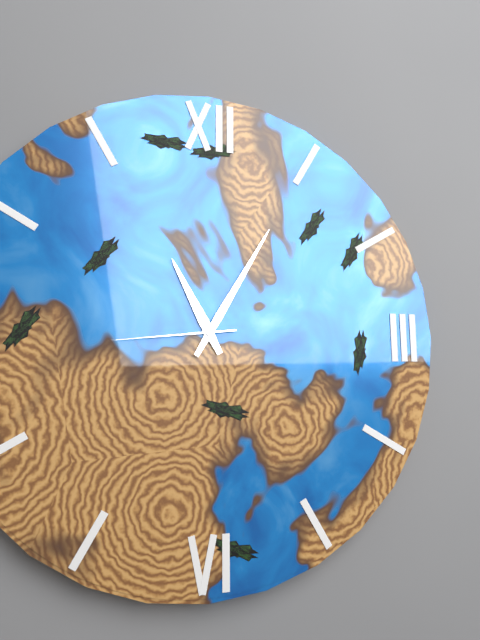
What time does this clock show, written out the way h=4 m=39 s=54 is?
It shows h=11 m=5 s=44
